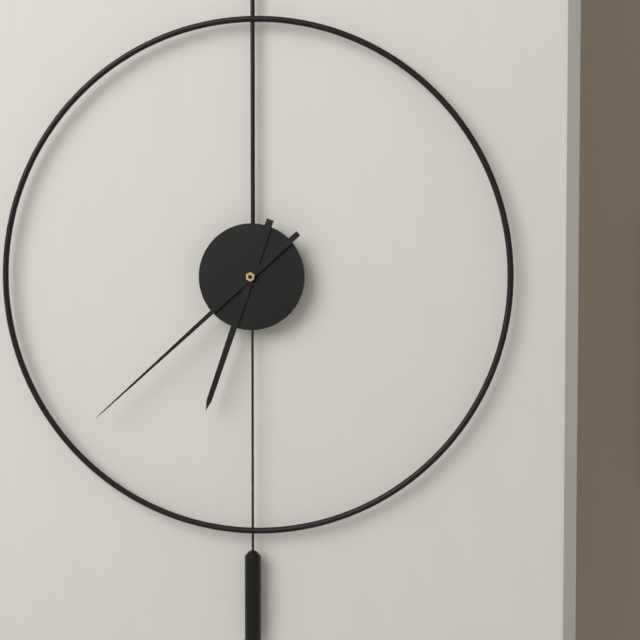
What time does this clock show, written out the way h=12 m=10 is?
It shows h=6 m=38
